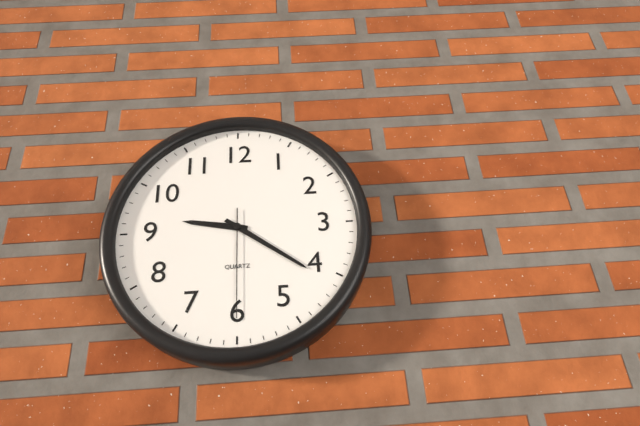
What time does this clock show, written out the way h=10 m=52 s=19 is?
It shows h=9 m=21 s=30
